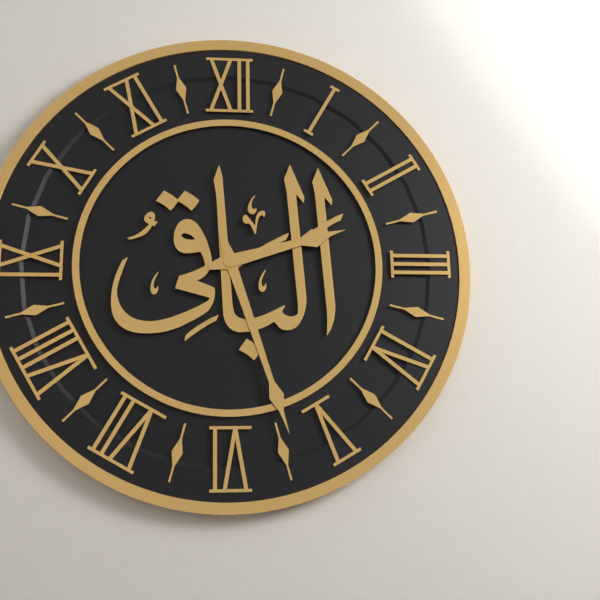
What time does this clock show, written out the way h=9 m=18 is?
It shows h=2 m=27
